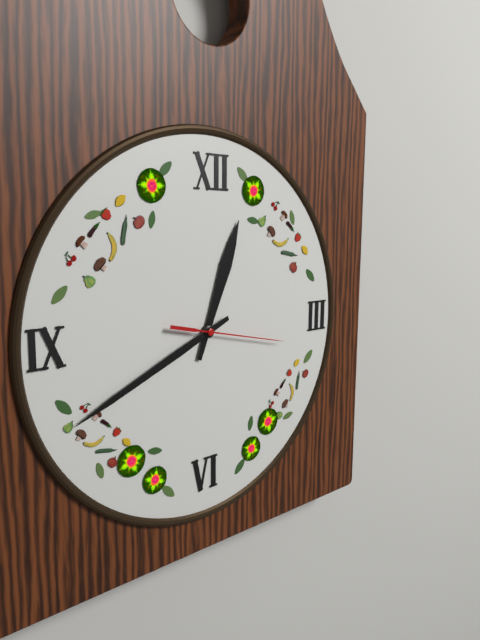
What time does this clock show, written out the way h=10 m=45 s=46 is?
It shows h=12 m=41 s=17
